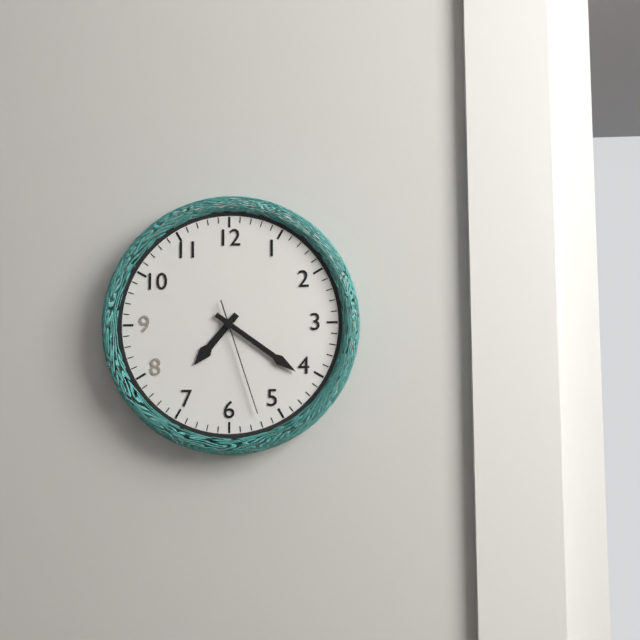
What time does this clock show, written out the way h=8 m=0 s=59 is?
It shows h=7 m=21 s=27
